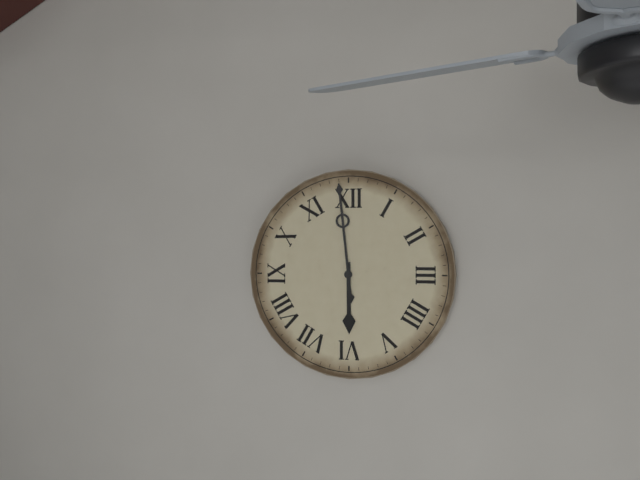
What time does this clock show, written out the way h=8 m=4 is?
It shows h=5 m=59
